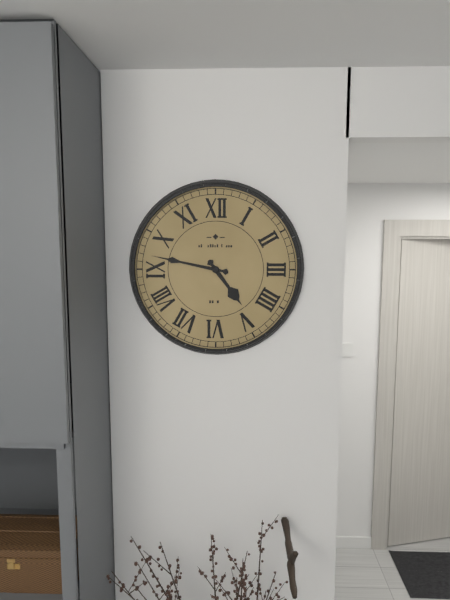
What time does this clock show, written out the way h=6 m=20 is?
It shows h=4 m=47
